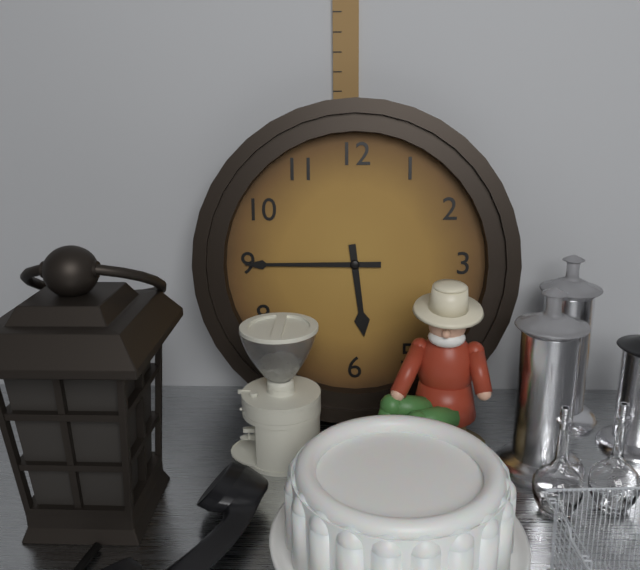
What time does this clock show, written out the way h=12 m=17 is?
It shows h=5 m=45
